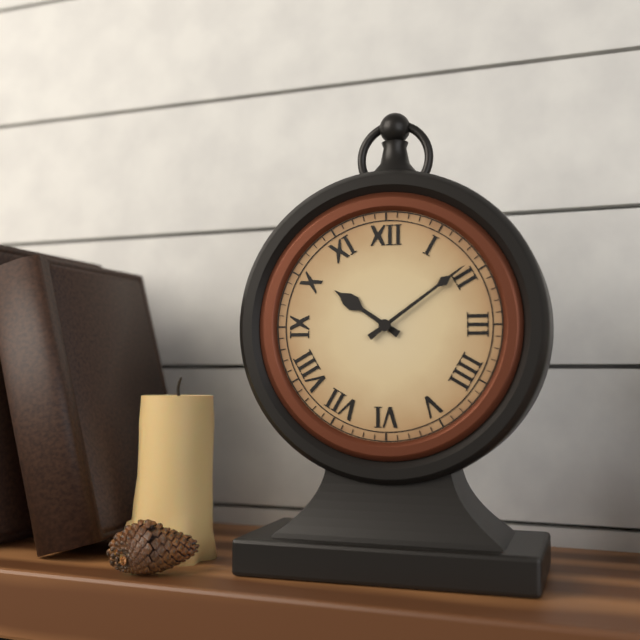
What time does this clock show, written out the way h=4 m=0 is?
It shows h=10 m=9
